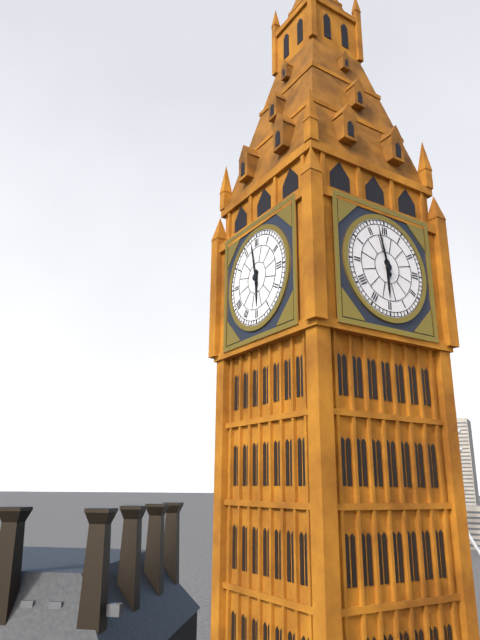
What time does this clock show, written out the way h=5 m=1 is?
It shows h=5 m=58
